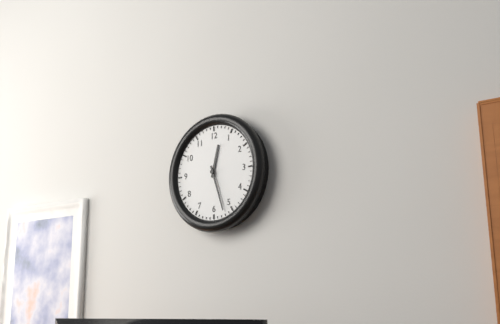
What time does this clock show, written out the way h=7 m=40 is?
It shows h=12 m=27
